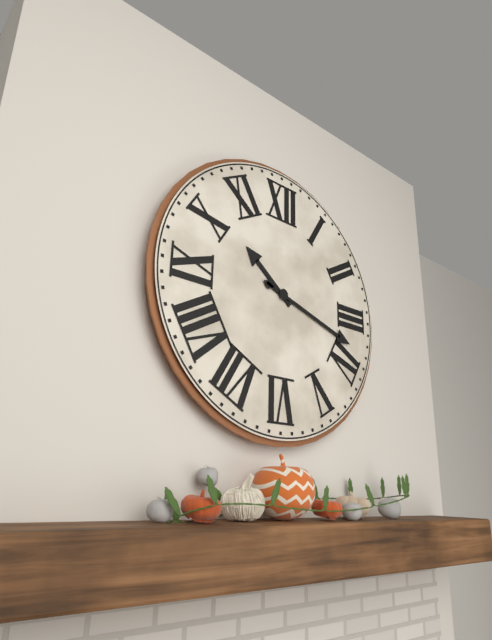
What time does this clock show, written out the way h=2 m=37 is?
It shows h=10 m=18
